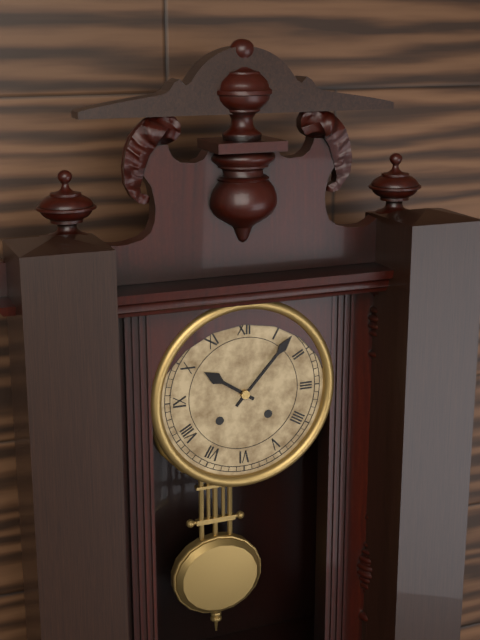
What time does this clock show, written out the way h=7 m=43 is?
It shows h=10 m=7
